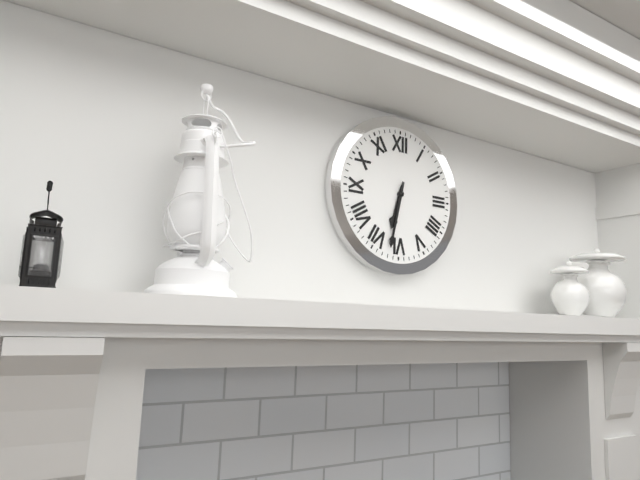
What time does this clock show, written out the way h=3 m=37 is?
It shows h=6 m=32
